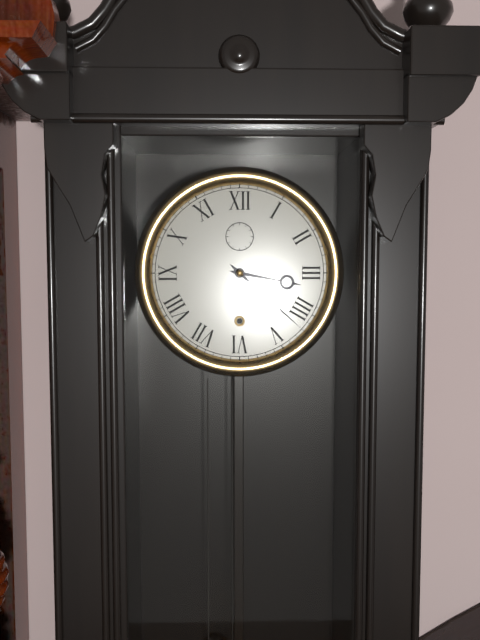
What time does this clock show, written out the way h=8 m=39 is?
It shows h=3 m=22
